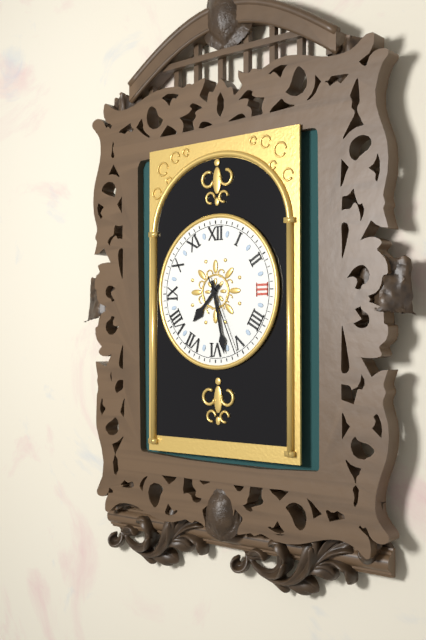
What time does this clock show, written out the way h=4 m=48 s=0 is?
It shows h=7 m=28 s=26
